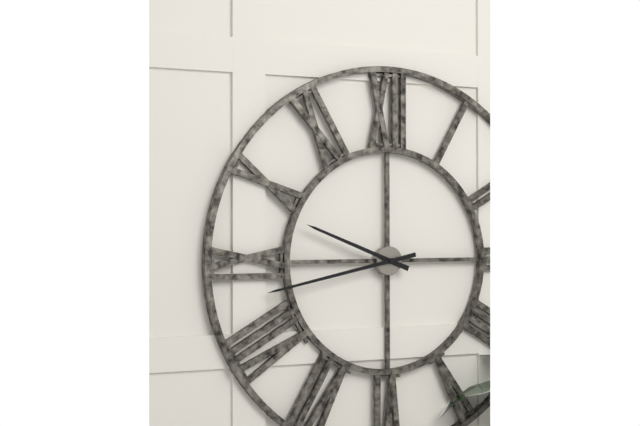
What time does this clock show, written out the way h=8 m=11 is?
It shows h=9 m=43
